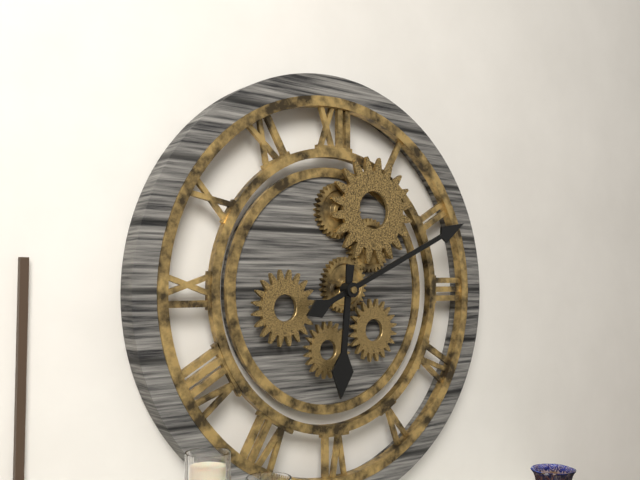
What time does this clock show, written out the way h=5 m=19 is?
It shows h=6 m=11
